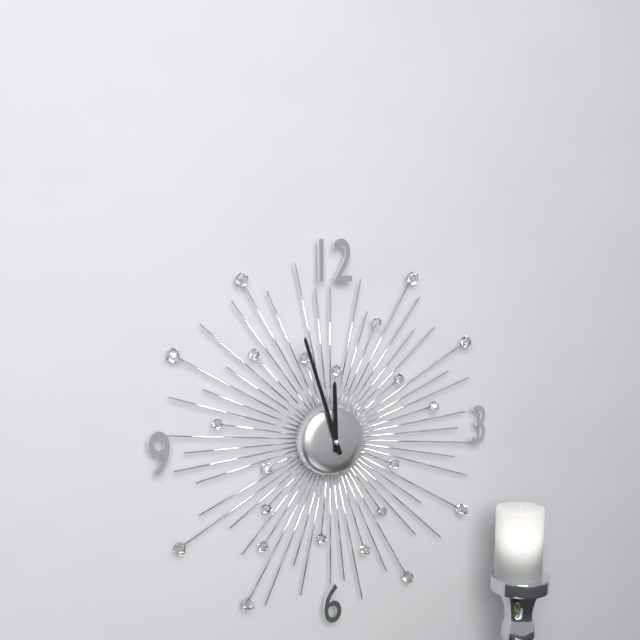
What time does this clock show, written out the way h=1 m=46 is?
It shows h=11 m=57
